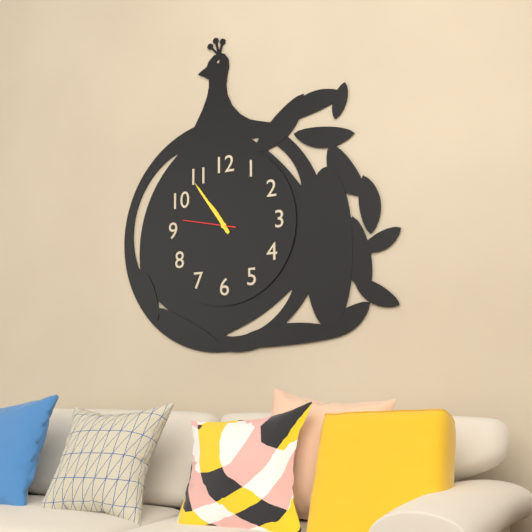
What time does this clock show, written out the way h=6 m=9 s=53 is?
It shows h=10 m=54 s=47
